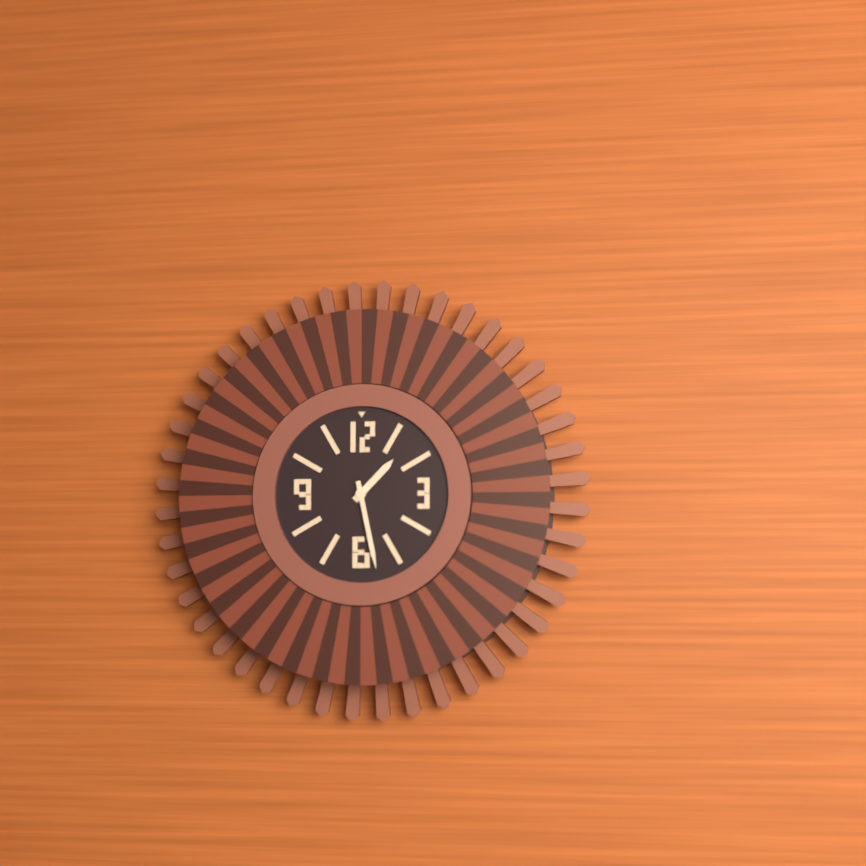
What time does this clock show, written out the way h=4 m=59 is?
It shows h=1 m=28
